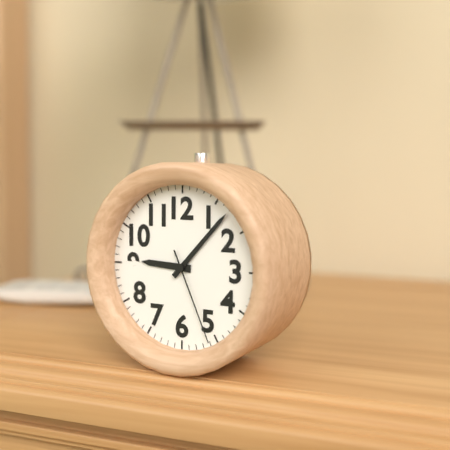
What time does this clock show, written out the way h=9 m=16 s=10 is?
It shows h=9 m=7 s=26
